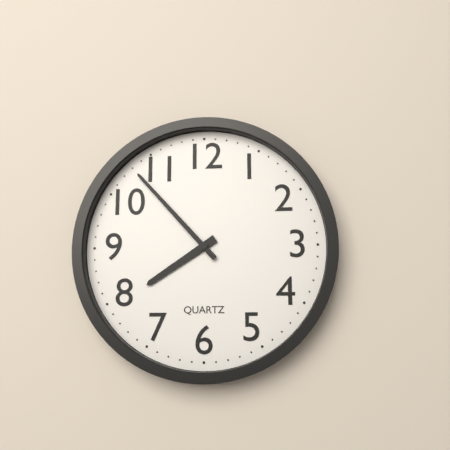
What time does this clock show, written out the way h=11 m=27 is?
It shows h=7 m=53
